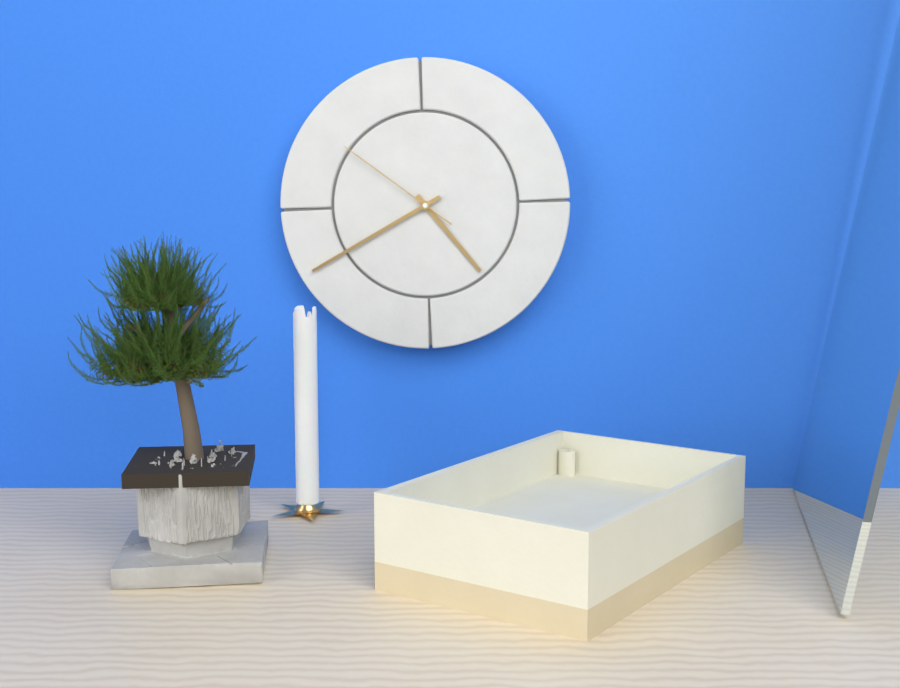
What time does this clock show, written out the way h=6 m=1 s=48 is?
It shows h=4 m=40 s=51
